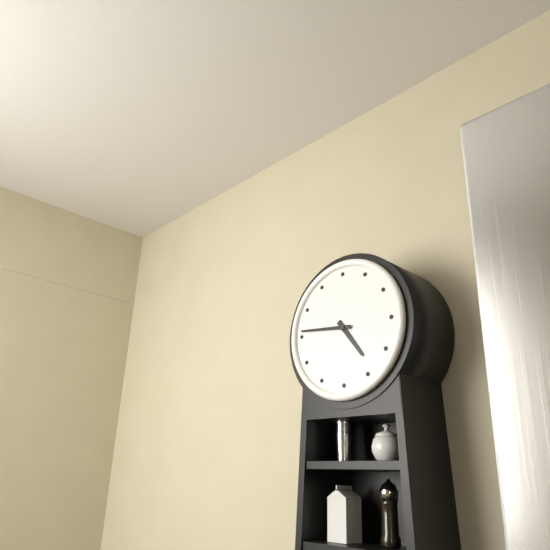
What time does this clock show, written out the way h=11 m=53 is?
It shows h=4 m=46
